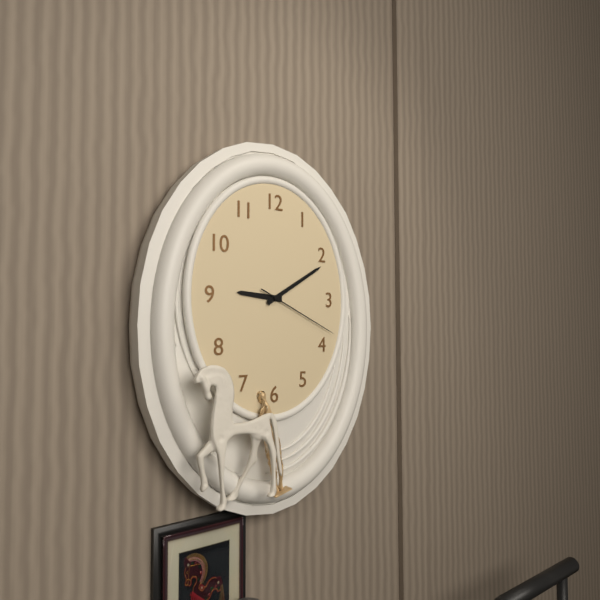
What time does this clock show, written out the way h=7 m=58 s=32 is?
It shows h=9 m=10 s=19
